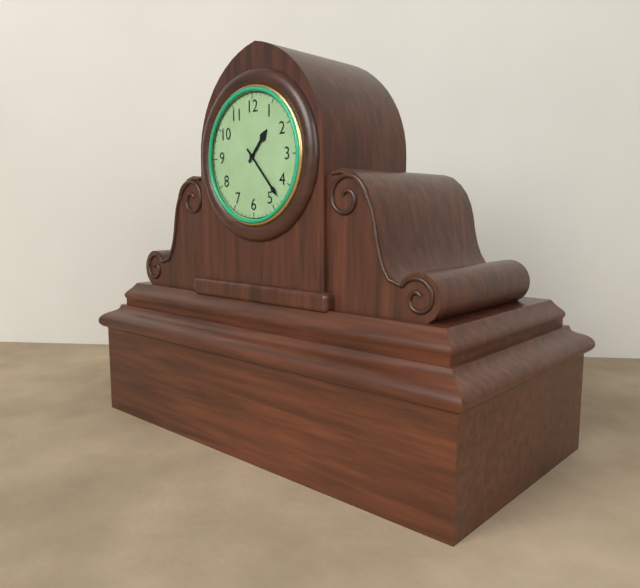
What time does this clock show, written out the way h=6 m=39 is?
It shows h=1 m=23
